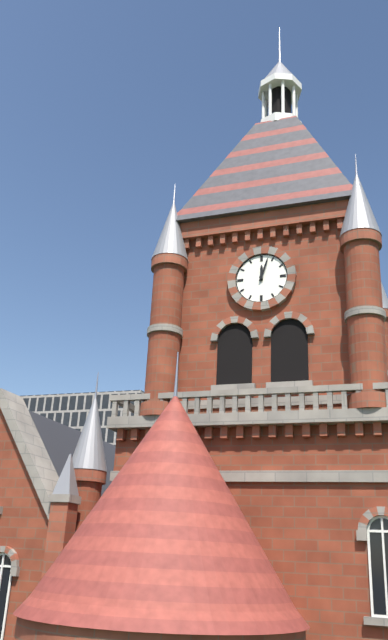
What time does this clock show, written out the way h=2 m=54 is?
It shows h=12 m=3
